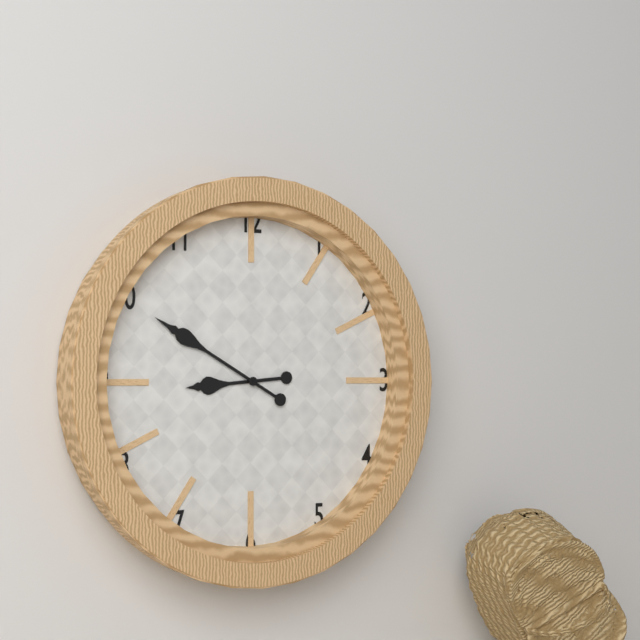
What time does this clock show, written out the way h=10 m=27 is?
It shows h=8 m=50
